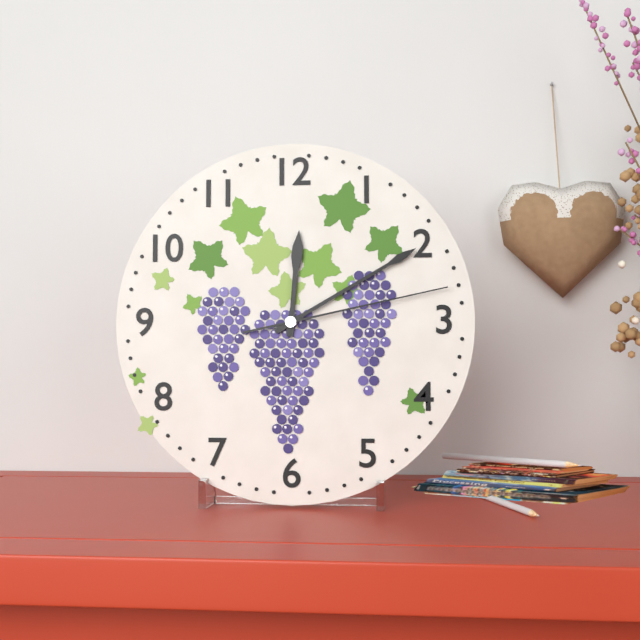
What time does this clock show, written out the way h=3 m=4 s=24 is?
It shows h=12 m=10 s=13
